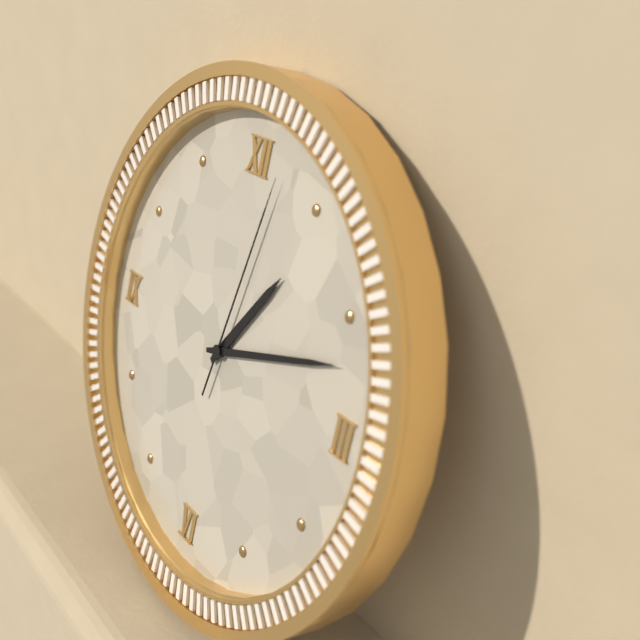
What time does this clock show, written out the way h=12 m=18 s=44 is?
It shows h=1 m=12 s=2
